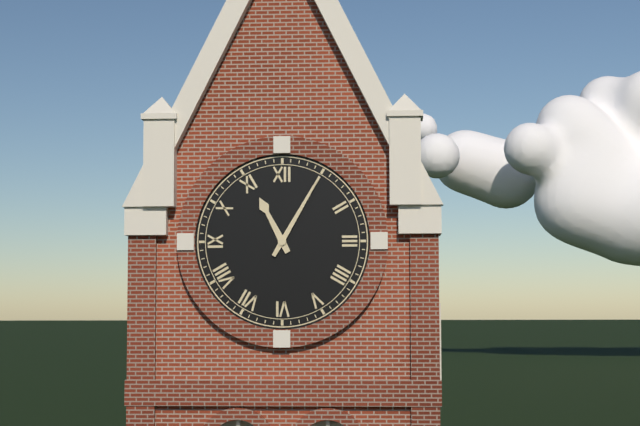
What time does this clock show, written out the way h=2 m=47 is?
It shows h=11 m=5
